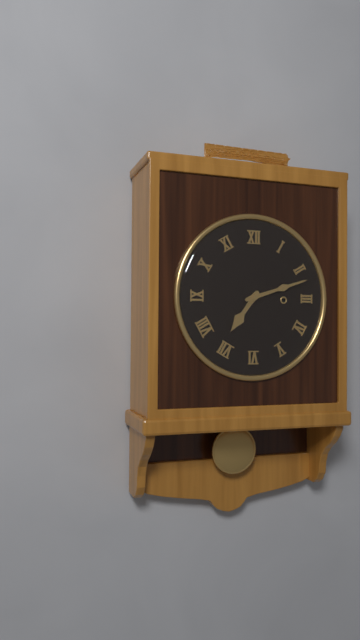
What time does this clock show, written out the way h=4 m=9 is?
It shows h=7 m=12
